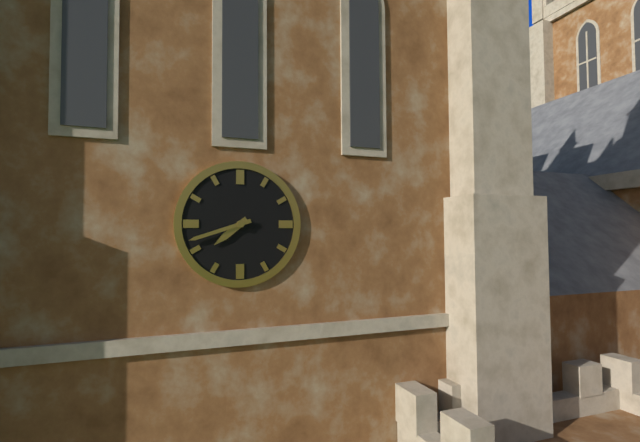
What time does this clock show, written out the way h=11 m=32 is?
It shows h=7 m=42
